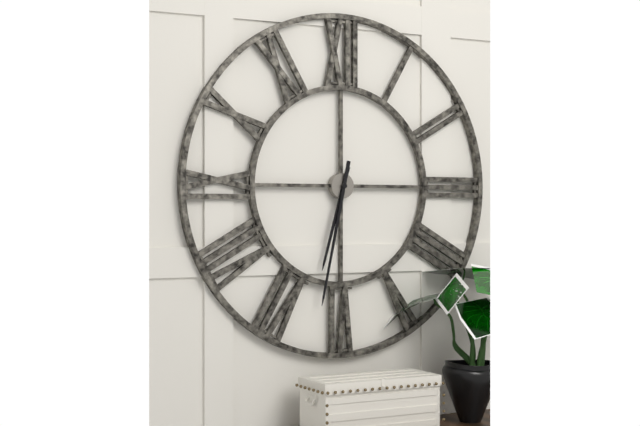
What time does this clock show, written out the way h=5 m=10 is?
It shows h=6 m=32
